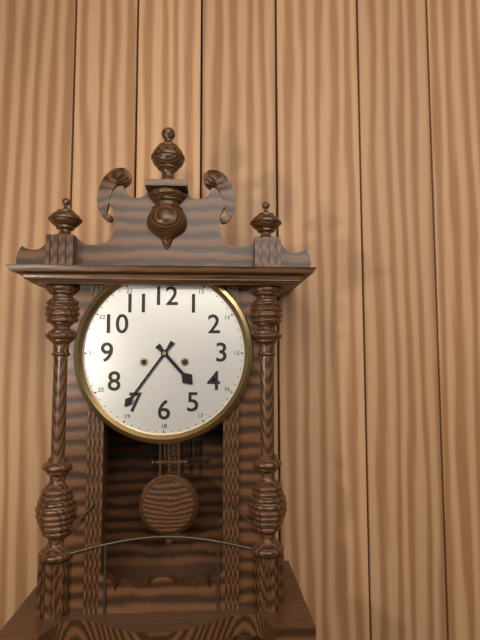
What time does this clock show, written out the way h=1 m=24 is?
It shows h=4 m=36
